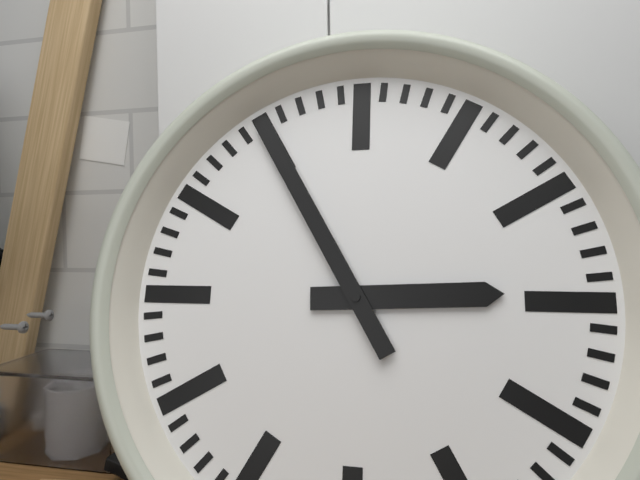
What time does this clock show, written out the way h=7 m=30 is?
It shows h=2 m=55
